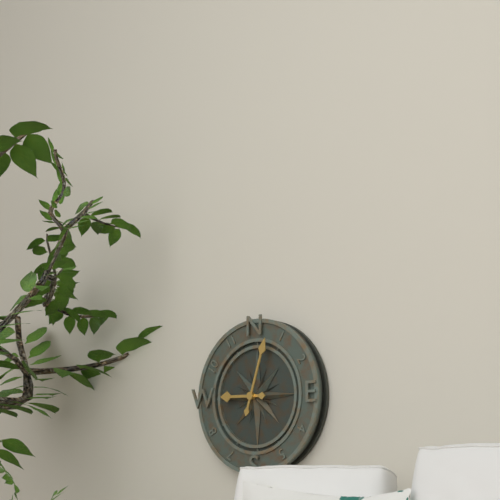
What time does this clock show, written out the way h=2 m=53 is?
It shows h=9 m=3
